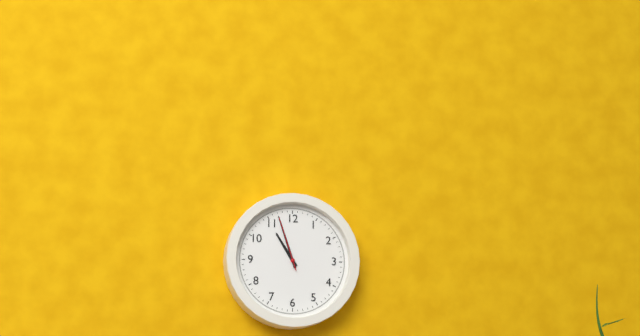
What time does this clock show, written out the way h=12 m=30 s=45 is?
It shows h=10 m=57 s=57
